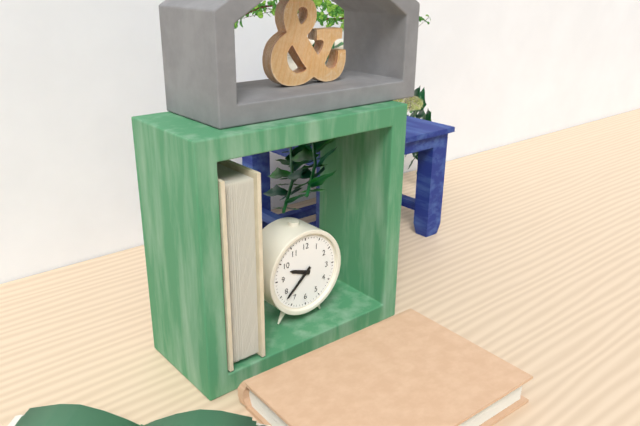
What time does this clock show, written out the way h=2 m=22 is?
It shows h=9 m=38
